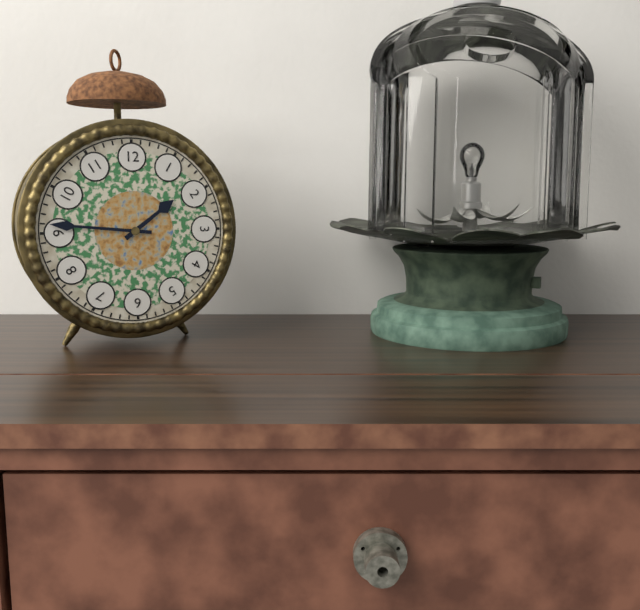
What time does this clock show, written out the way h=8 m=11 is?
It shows h=1 m=46
